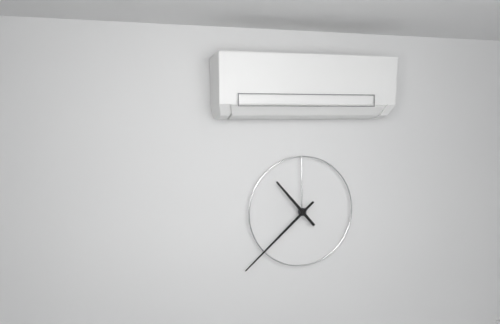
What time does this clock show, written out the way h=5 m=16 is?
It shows h=10 m=38
